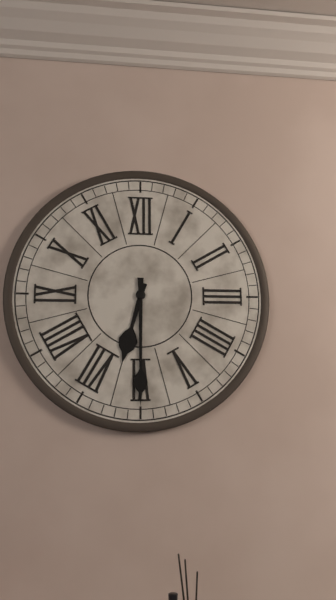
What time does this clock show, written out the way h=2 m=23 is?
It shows h=6 m=30
